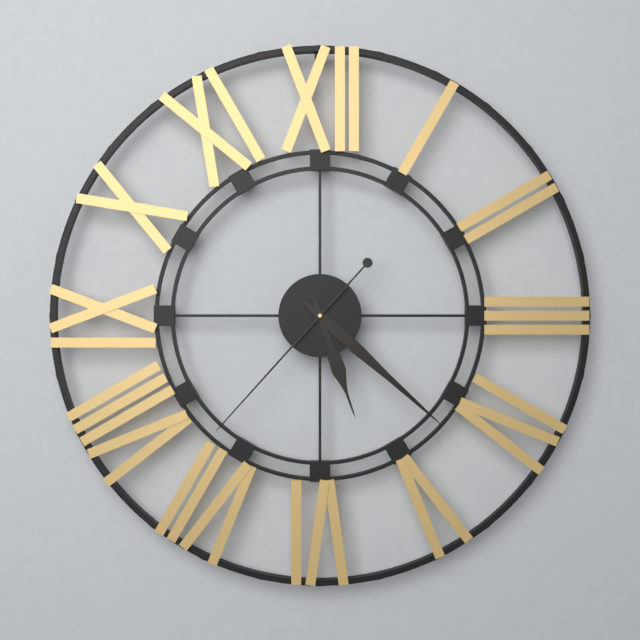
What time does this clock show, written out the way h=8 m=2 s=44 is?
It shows h=5 m=22 s=37
